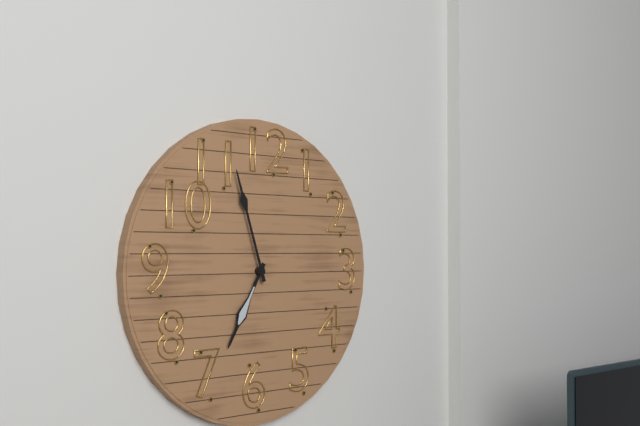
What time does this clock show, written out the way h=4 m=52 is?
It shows h=6 m=57
